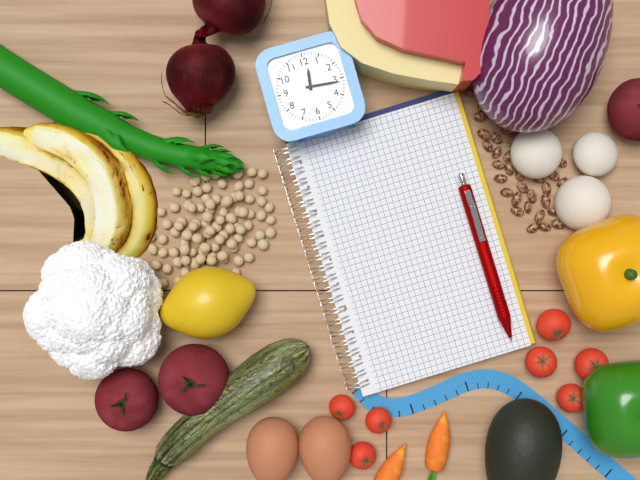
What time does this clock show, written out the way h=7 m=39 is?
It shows h=12 m=16
